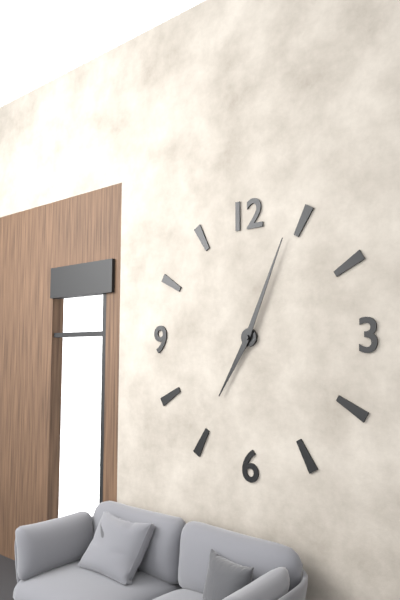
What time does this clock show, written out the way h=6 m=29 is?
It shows h=7 m=4
